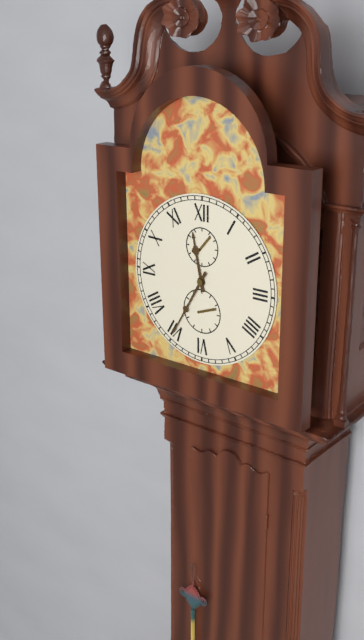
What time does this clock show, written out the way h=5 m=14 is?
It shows h=11 m=35
